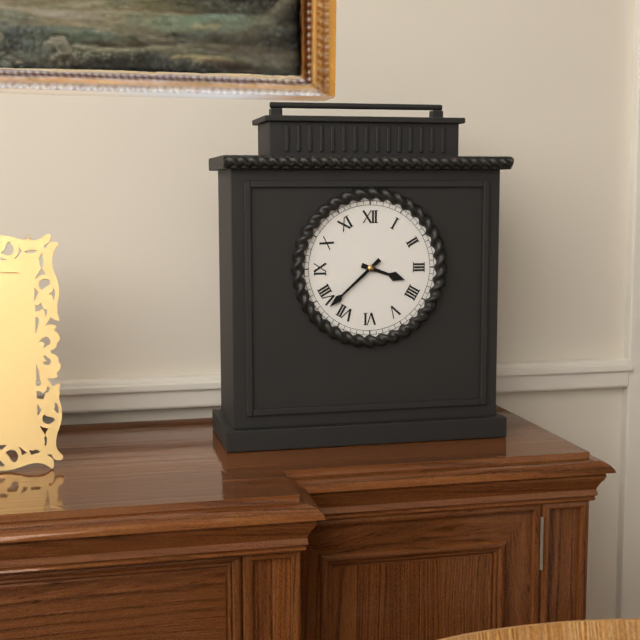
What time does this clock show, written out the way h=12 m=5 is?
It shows h=3 m=38
